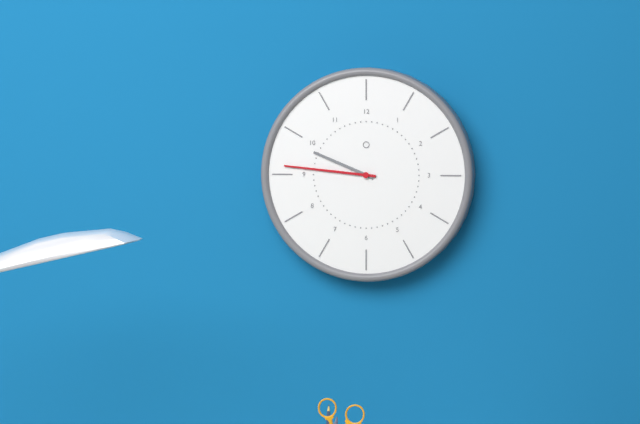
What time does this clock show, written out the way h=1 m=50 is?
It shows h=9 m=46
